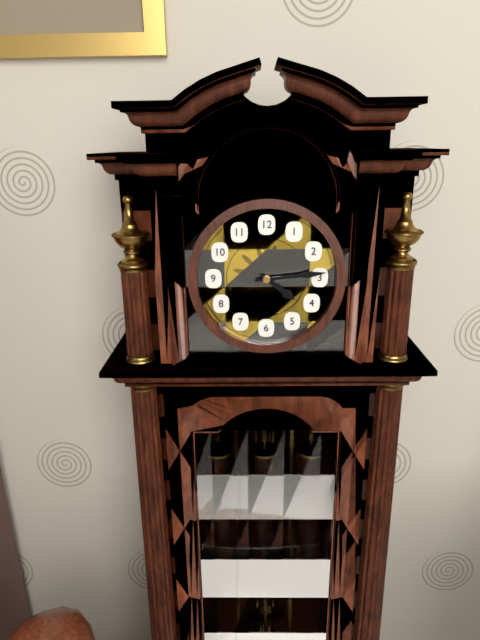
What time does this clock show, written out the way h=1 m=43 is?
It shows h=4 m=14
